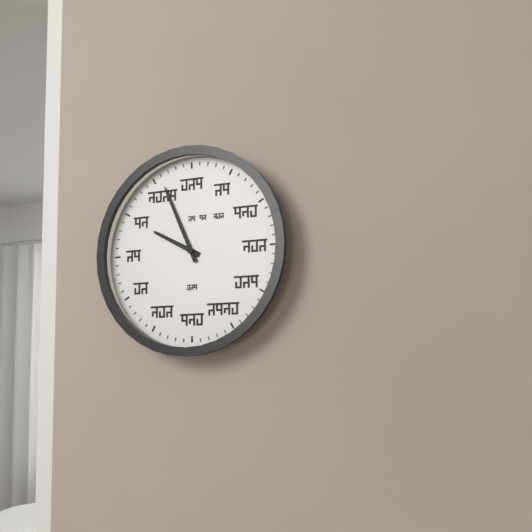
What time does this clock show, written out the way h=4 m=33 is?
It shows h=9 m=56
